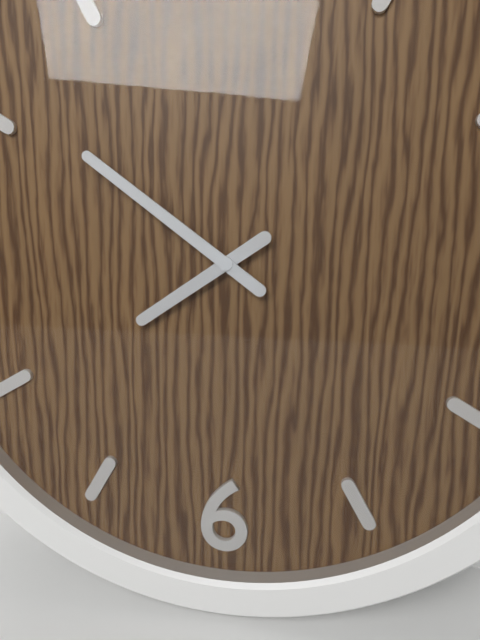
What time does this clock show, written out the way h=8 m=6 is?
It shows h=7 m=51
